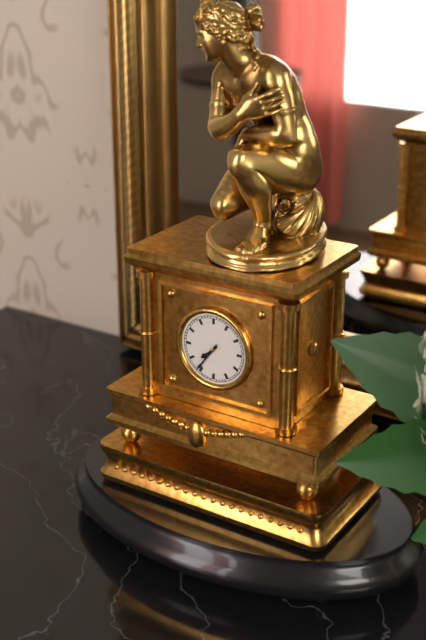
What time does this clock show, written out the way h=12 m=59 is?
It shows h=7 m=36
